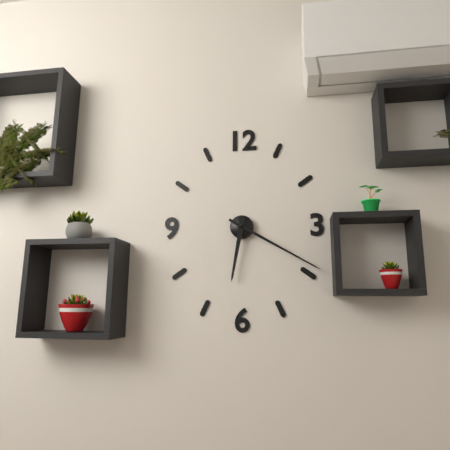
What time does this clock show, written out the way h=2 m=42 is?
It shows h=6 m=20
